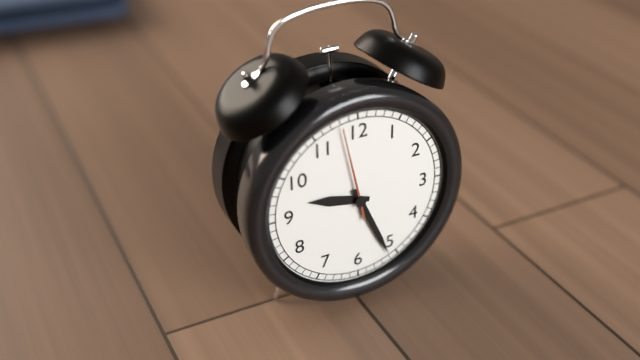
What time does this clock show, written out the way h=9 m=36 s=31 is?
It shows h=9 m=26 s=58
